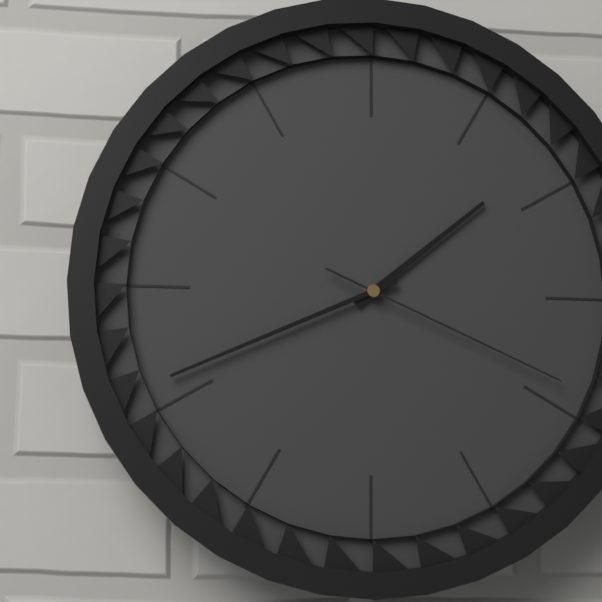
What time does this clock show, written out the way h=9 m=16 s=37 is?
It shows h=1 m=41 s=19
